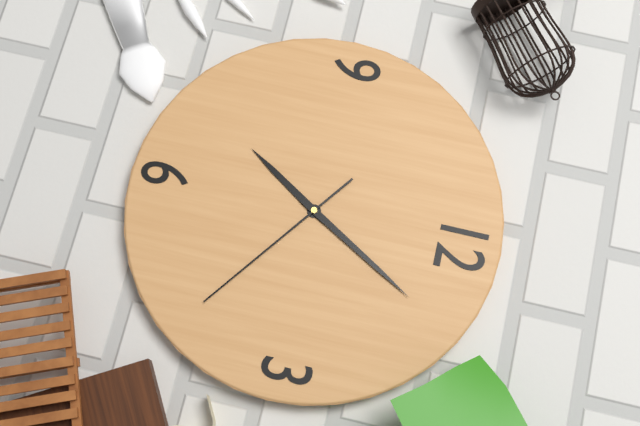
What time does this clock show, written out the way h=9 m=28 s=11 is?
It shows h=7 m=5 s=21
